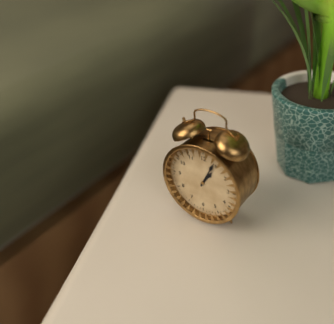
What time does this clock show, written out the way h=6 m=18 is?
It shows h=1 m=4
